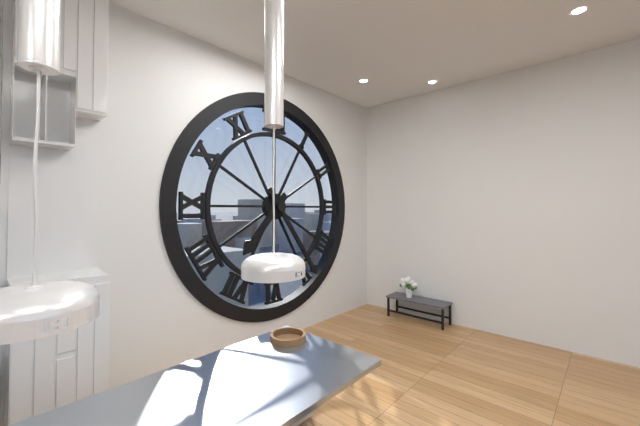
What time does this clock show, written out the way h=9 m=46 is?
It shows h=7 m=24
